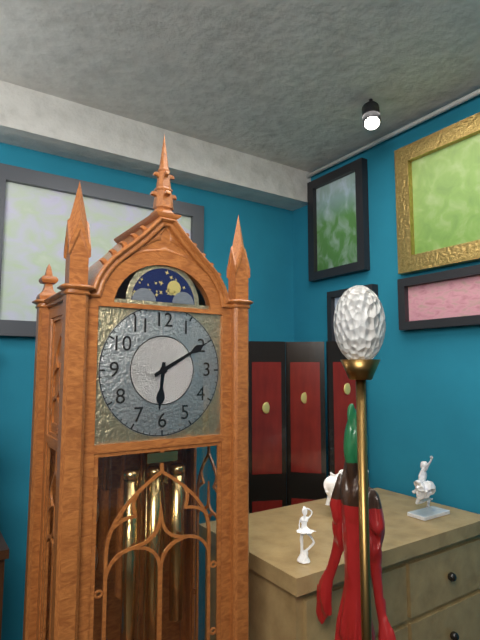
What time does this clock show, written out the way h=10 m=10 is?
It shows h=6 m=10
